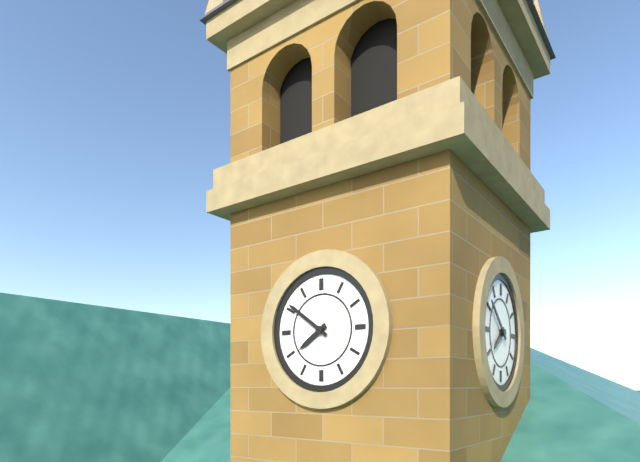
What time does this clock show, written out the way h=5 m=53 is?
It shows h=7 m=51
